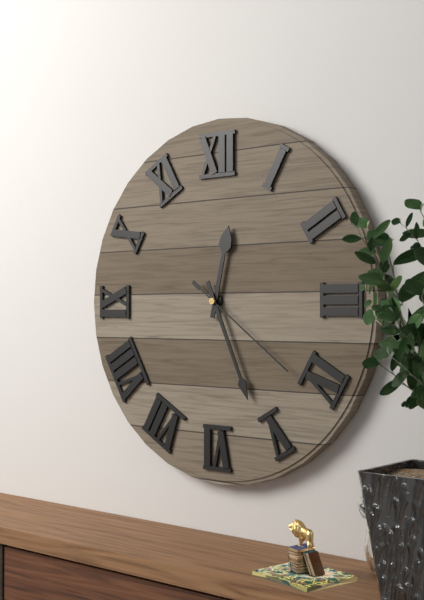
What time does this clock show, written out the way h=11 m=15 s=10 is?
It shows h=12 m=26 s=21
